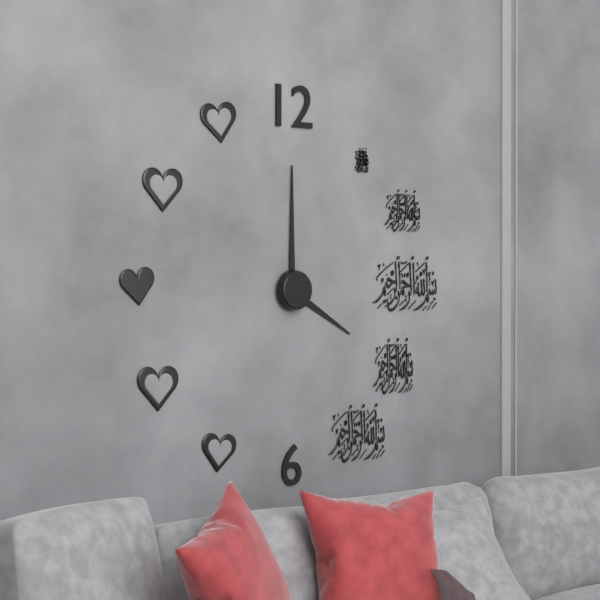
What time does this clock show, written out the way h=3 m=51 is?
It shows h=4 m=0
